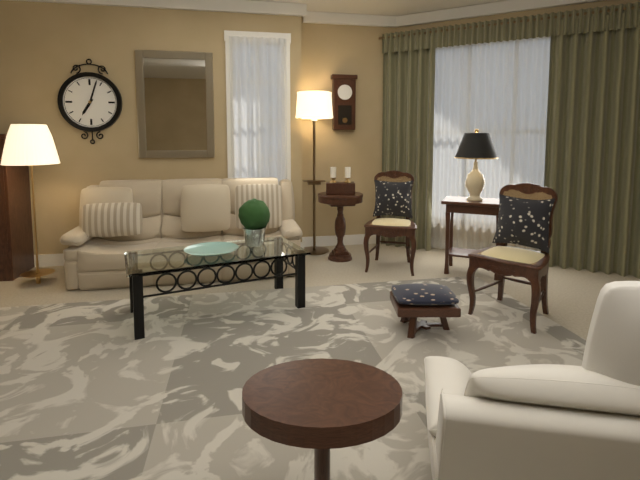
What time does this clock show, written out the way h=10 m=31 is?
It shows h=7 m=3
